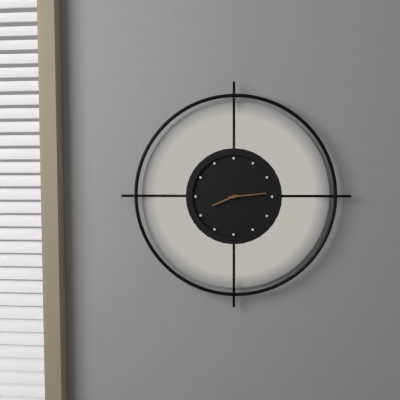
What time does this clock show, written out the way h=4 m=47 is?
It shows h=8 m=14
